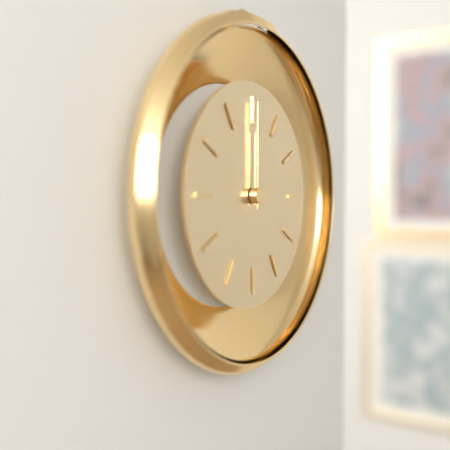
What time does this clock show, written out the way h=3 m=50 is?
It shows h=12 m=0
